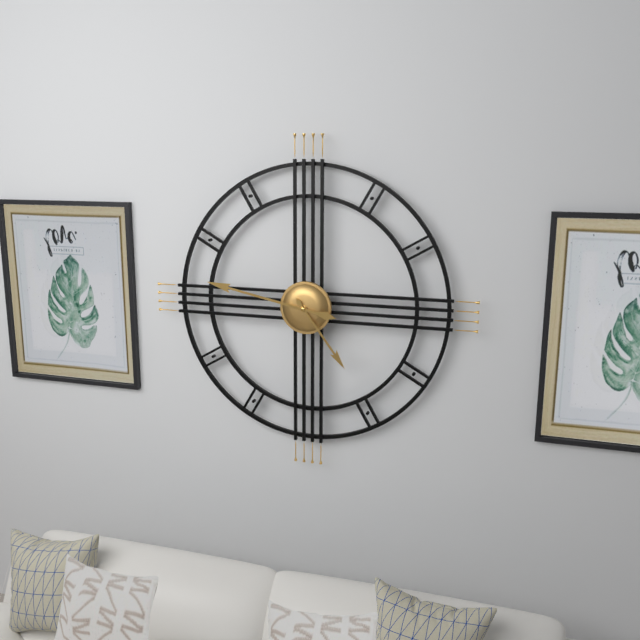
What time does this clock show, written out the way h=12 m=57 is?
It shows h=4 m=47
